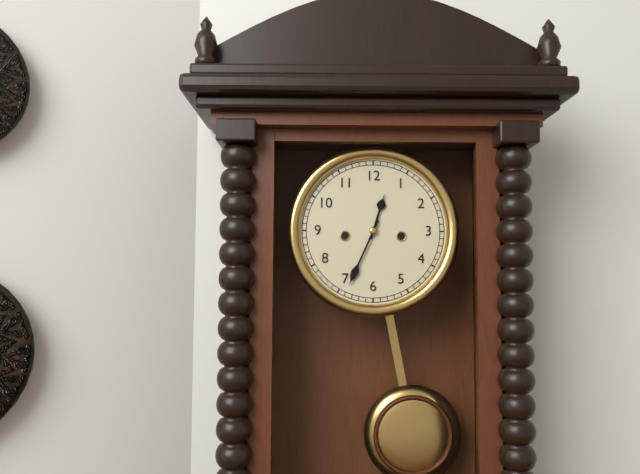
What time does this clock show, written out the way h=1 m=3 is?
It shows h=12 m=34
